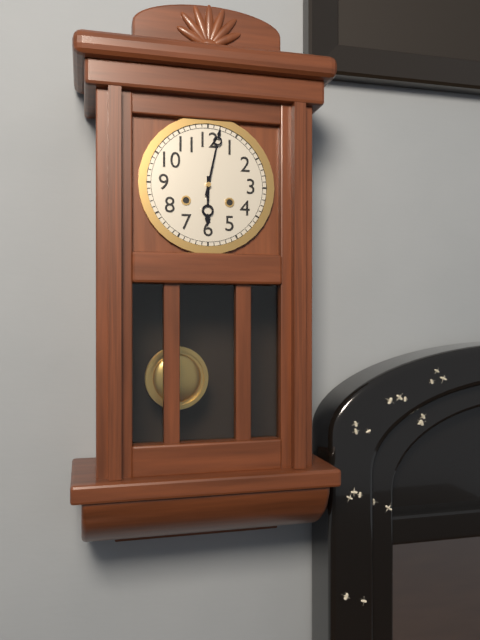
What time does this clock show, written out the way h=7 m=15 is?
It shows h=6 m=2
